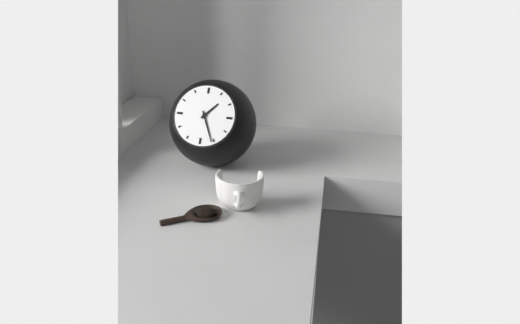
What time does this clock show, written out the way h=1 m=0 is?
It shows h=1 m=26
